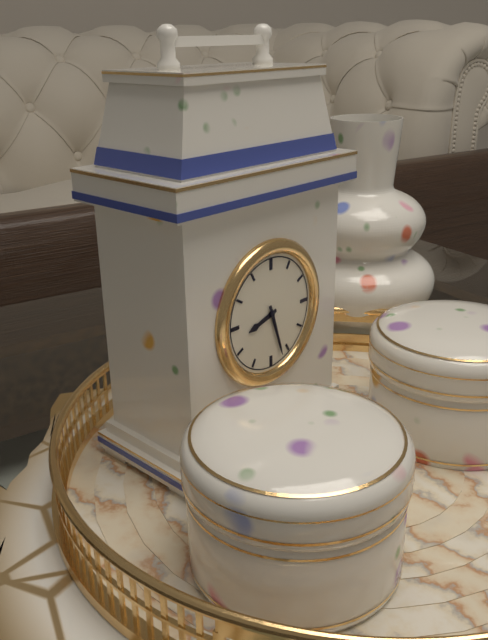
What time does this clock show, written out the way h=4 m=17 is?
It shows h=8 m=27
